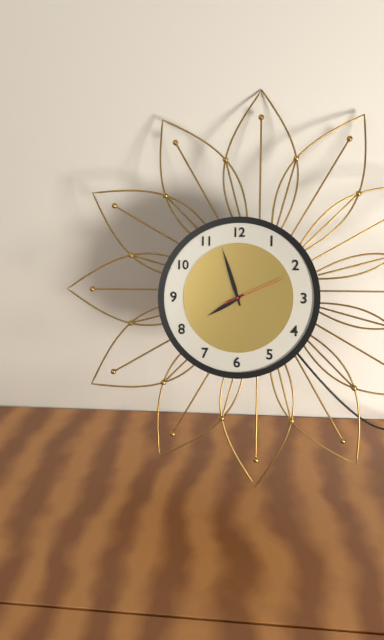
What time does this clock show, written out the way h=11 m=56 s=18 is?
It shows h=7 m=57 s=11
